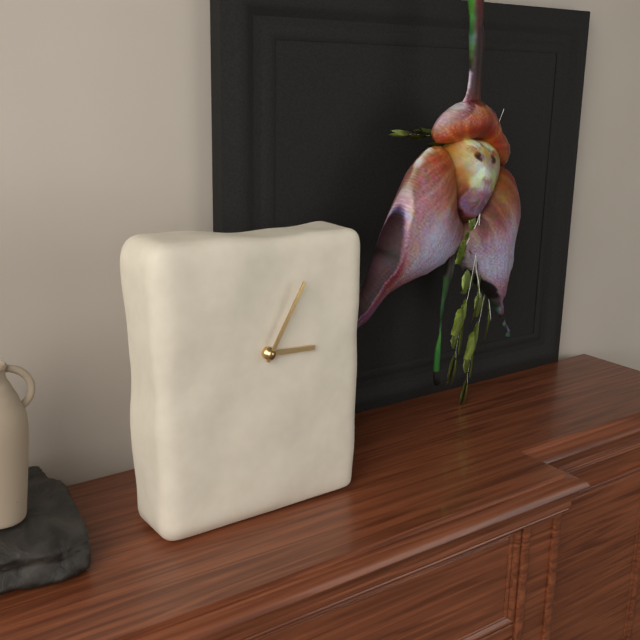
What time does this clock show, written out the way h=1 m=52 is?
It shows h=3 m=5
